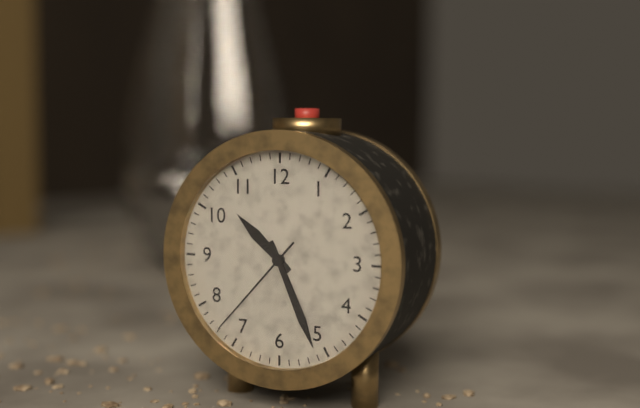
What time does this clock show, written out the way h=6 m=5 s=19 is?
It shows h=10 m=26 s=37
